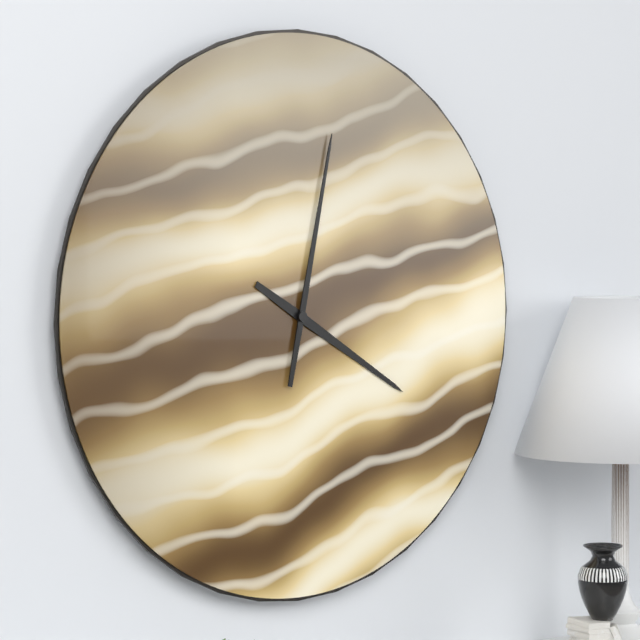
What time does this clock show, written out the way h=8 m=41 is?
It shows h=4 m=2
